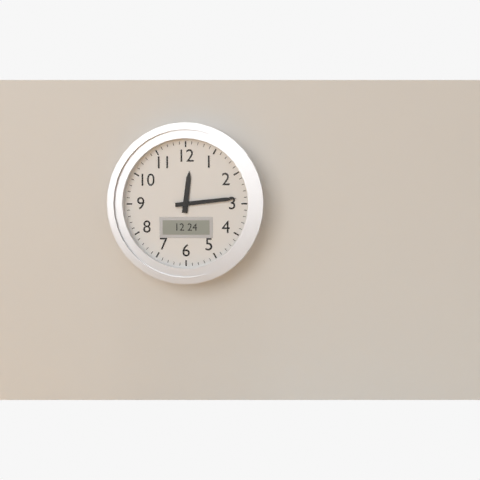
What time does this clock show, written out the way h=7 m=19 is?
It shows h=12 m=14
